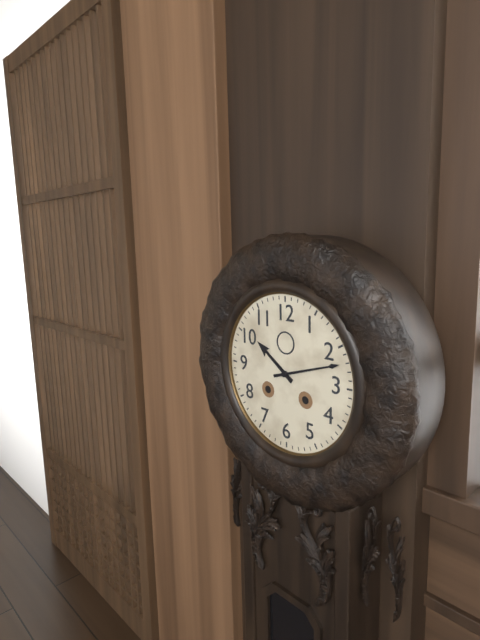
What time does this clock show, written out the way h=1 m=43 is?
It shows h=10 m=12
